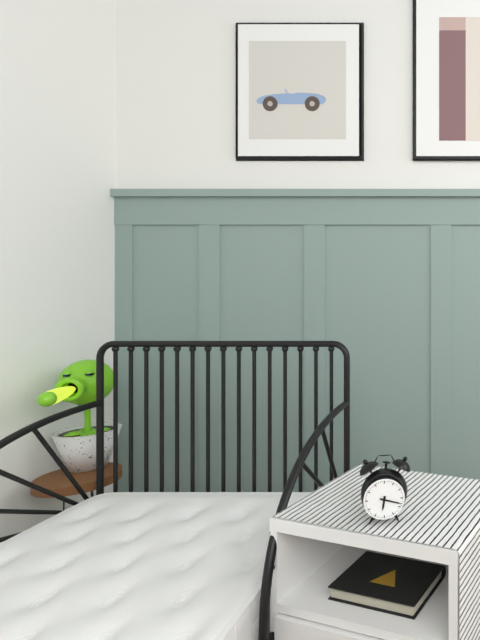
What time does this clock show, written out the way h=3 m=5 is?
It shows h=6 m=18
